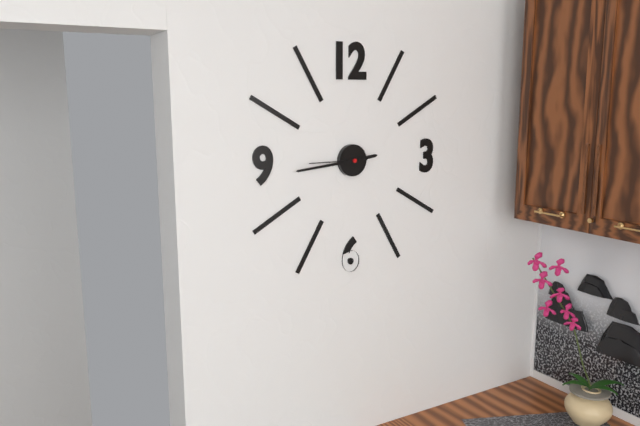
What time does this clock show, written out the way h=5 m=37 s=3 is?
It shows h=2 m=44 s=45
